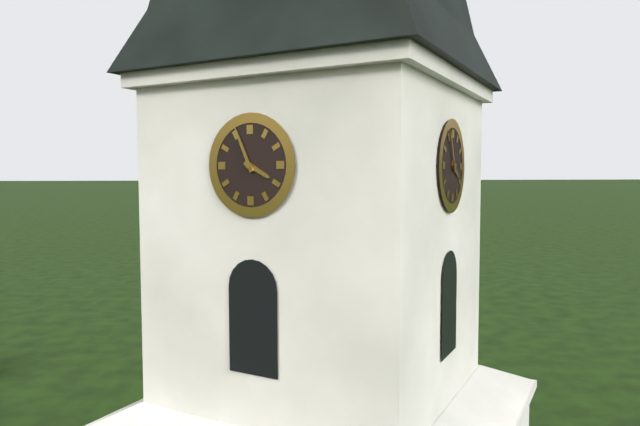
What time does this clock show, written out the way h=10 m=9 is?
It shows h=3 m=56
